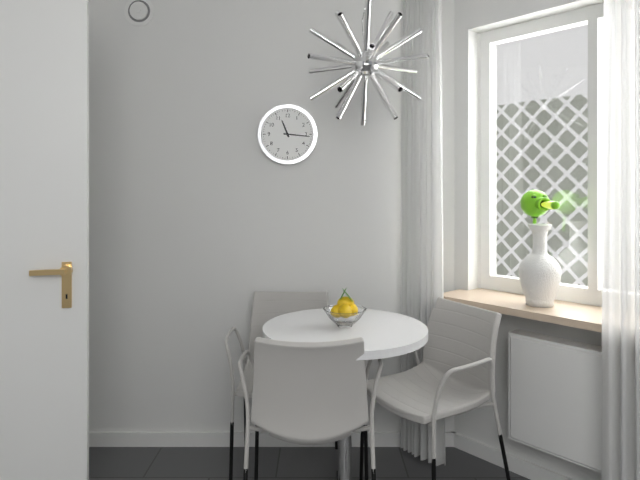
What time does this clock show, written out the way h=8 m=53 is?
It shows h=11 m=16
